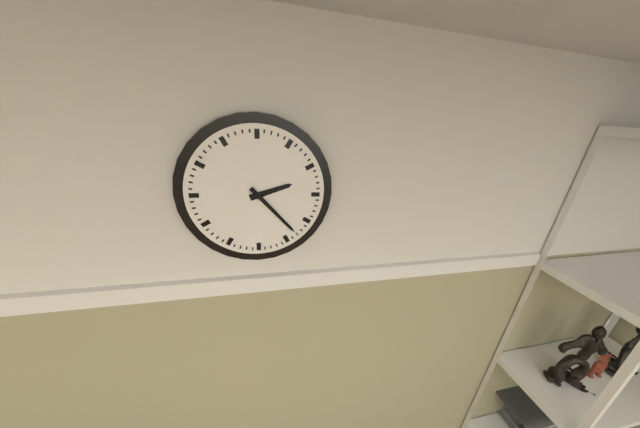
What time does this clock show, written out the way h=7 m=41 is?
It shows h=2 m=23
